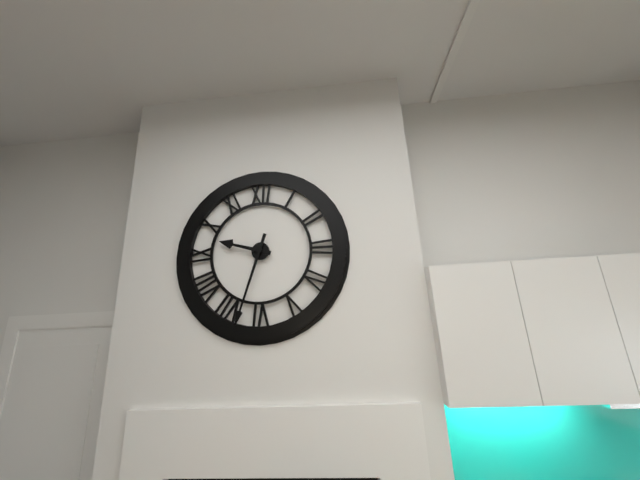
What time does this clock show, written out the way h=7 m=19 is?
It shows h=9 m=33
